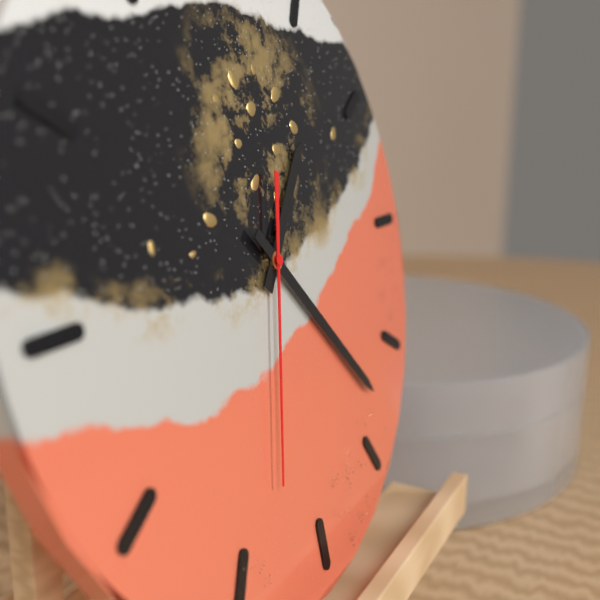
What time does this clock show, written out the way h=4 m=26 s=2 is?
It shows h=1 m=23 s=33
